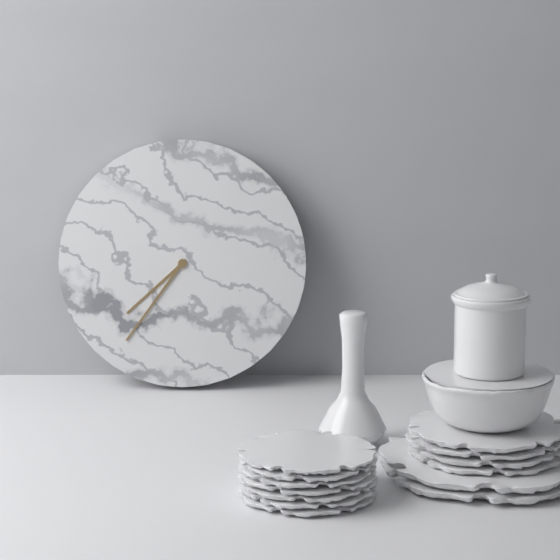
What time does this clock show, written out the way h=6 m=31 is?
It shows h=7 m=36
